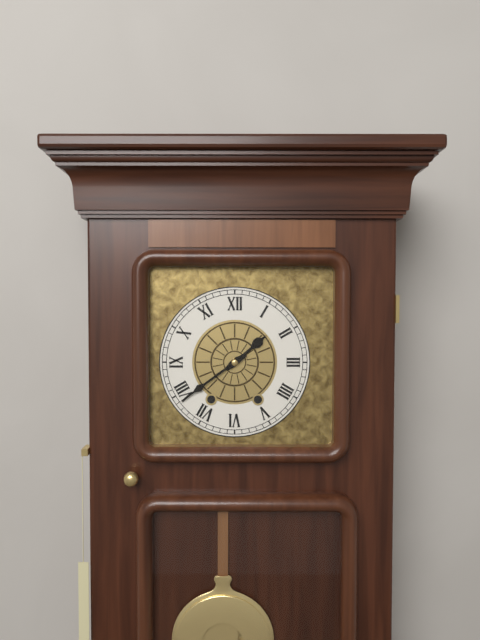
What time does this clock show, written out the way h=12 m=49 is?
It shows h=1 m=39
